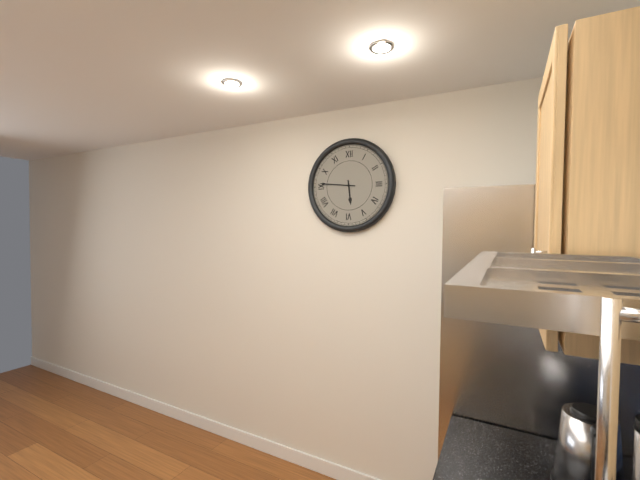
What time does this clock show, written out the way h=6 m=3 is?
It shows h=5 m=46
